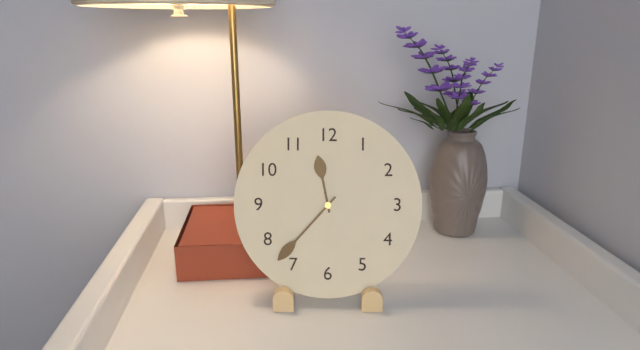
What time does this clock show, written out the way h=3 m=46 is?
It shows h=11 m=37
